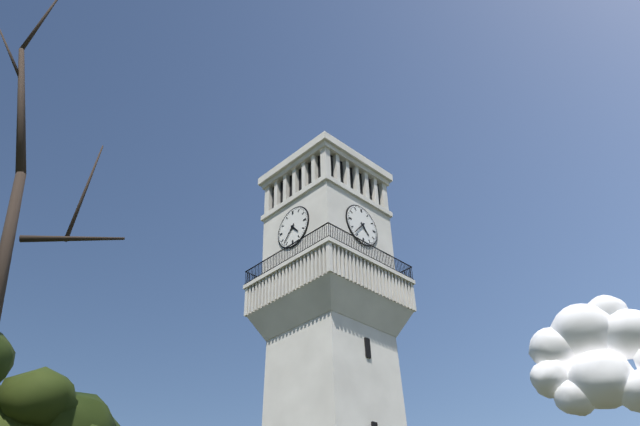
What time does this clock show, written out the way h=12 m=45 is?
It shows h=4 m=37
